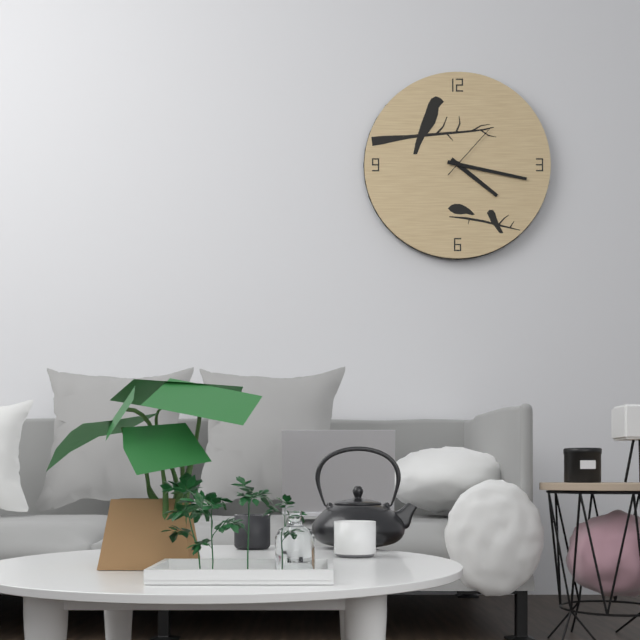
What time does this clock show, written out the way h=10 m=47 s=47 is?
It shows h=4 m=17 s=7
